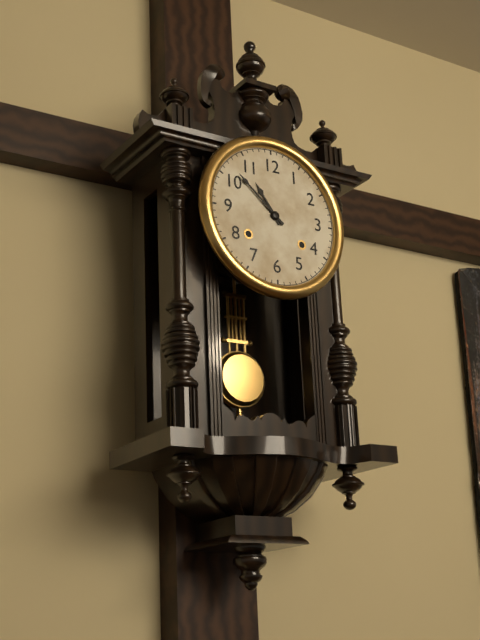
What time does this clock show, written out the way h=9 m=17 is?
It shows h=10 m=52
